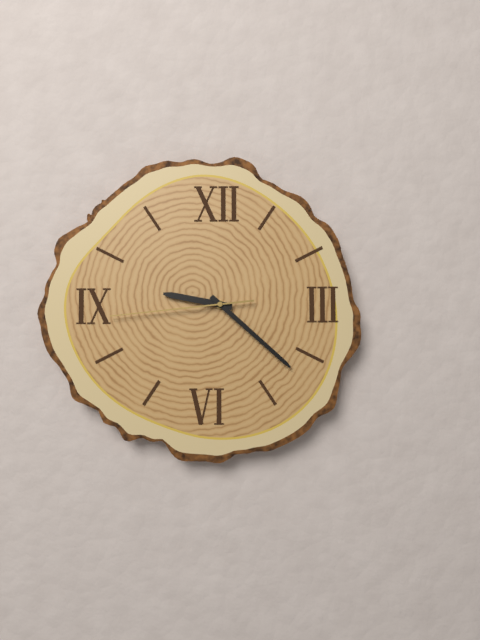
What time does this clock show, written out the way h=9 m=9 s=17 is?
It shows h=9 m=22 s=44
